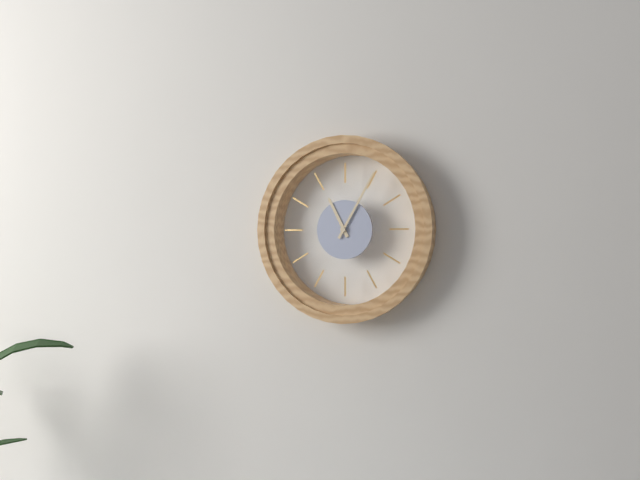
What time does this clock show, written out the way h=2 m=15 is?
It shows h=11 m=5
